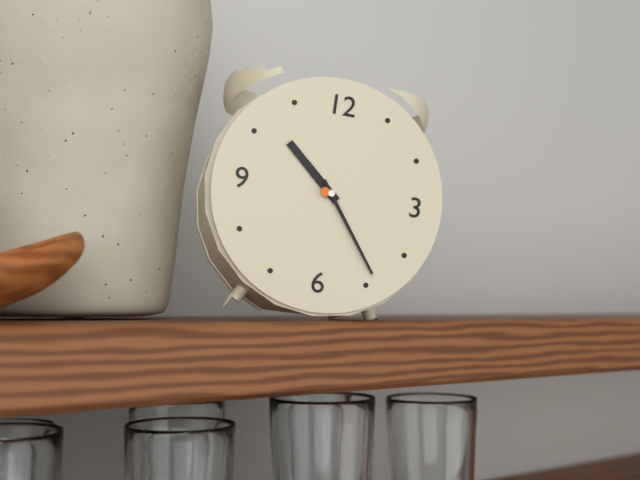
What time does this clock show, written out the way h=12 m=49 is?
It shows h=10 m=24
